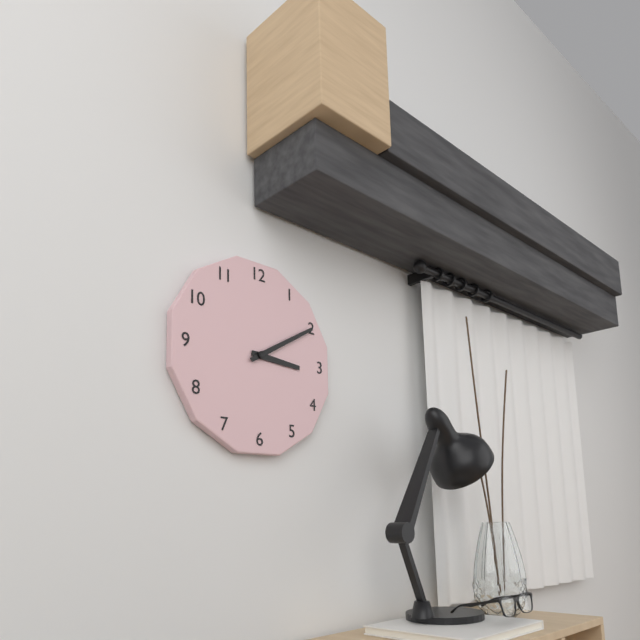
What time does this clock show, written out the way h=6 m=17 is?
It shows h=3 m=10
